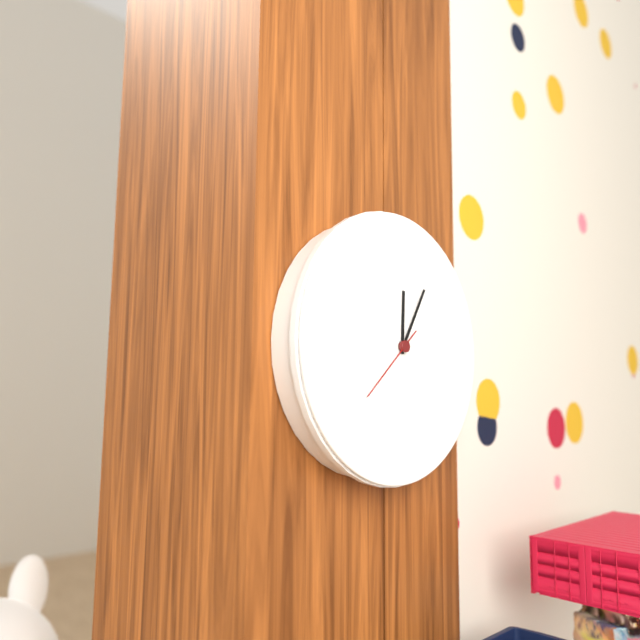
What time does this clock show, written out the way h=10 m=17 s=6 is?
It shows h=12 m=5 s=38
